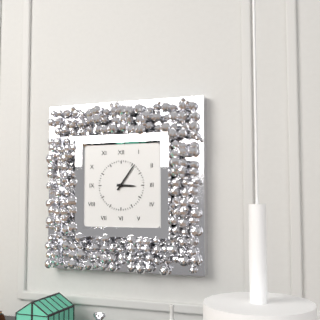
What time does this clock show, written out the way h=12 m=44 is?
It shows h=3 m=6
